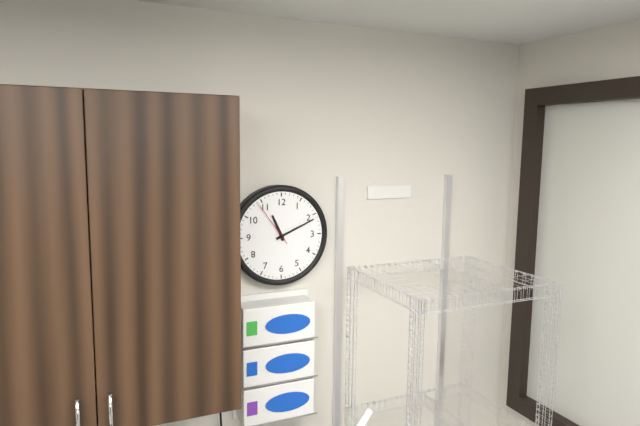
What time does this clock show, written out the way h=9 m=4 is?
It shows h=11 m=11
